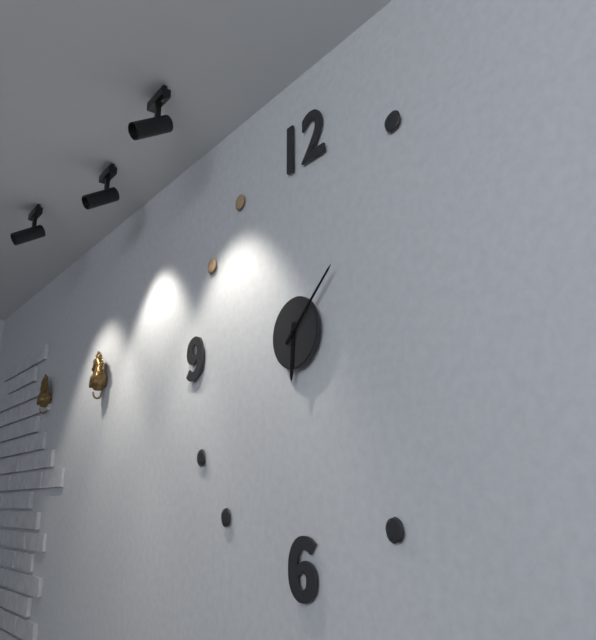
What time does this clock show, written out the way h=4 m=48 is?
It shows h=6 m=8
